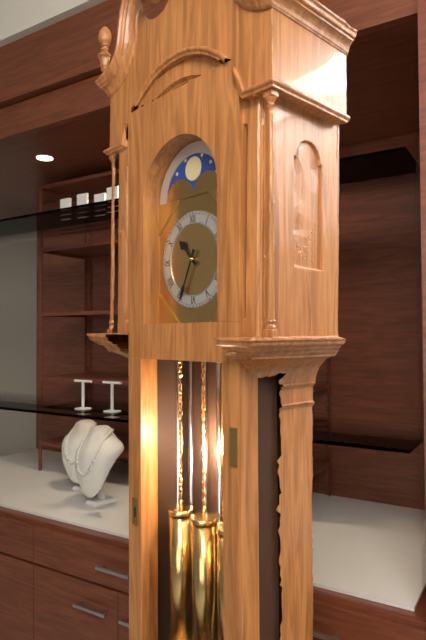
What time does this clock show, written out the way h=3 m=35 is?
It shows h=10 m=34
